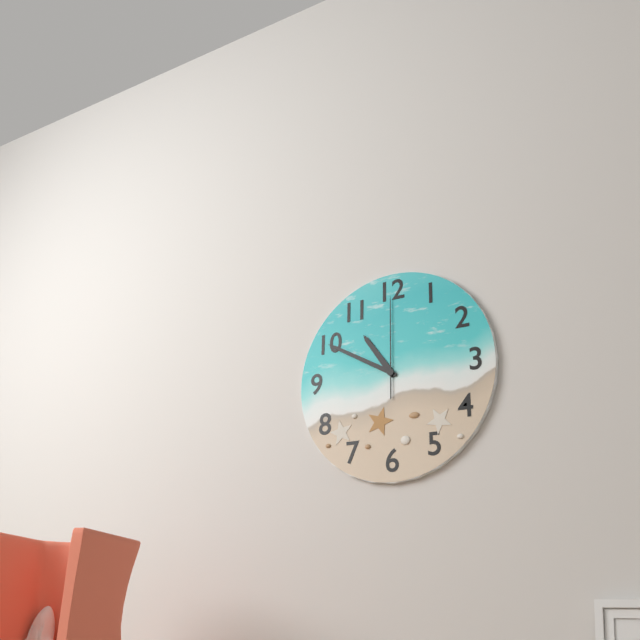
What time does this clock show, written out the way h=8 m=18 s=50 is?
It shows h=10 m=50 s=0
